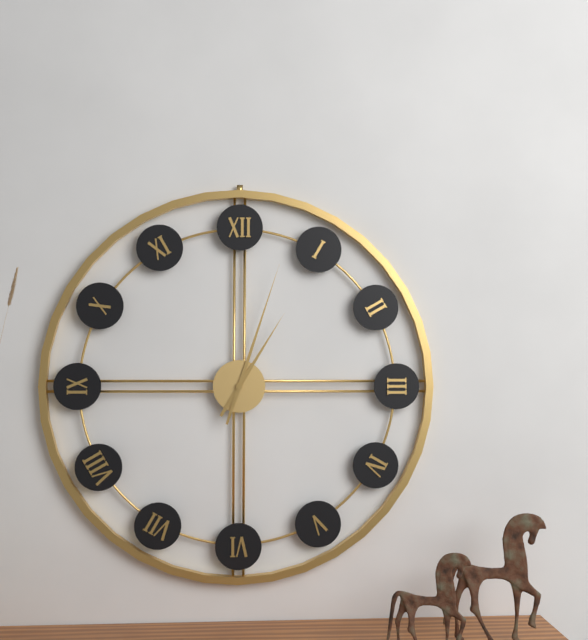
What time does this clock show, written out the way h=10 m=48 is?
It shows h=1 m=3
